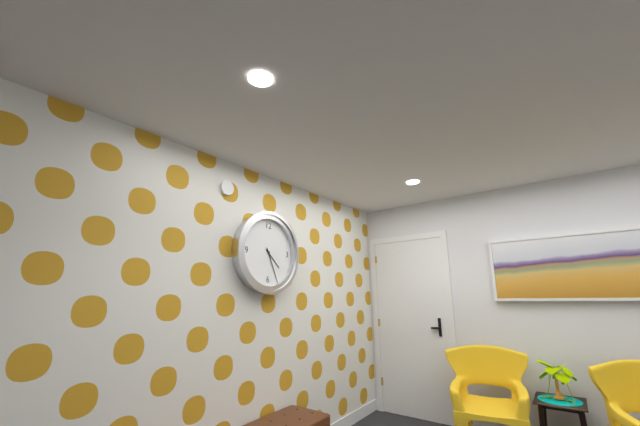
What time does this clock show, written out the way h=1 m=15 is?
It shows h=4 m=26
